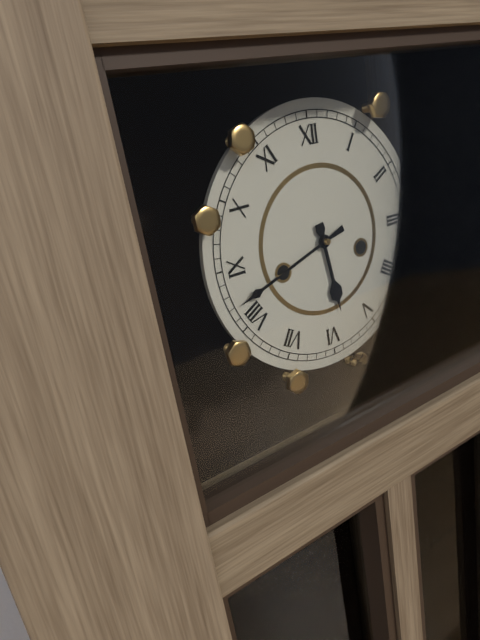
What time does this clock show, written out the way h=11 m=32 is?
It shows h=5 m=42
